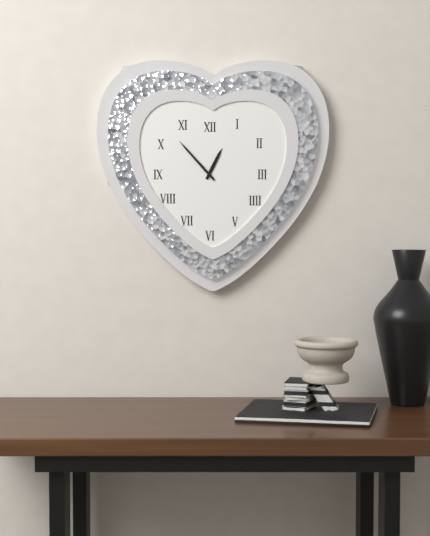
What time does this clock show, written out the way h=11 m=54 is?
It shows h=12 m=53
